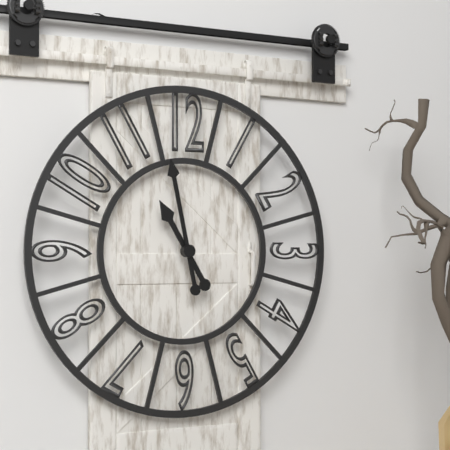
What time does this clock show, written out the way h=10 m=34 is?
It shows h=10 m=58
